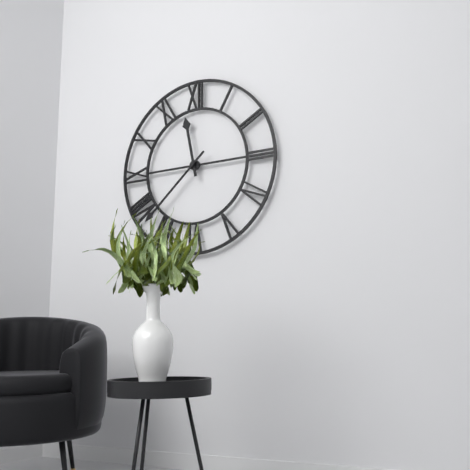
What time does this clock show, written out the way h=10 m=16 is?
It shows h=11 m=38
